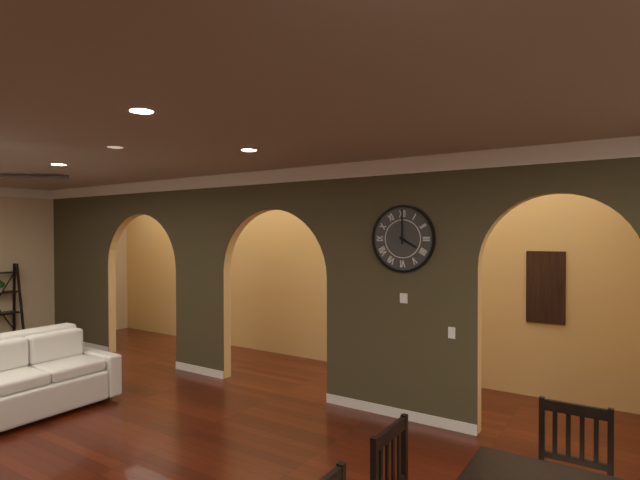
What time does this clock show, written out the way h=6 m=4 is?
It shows h=4 m=0
